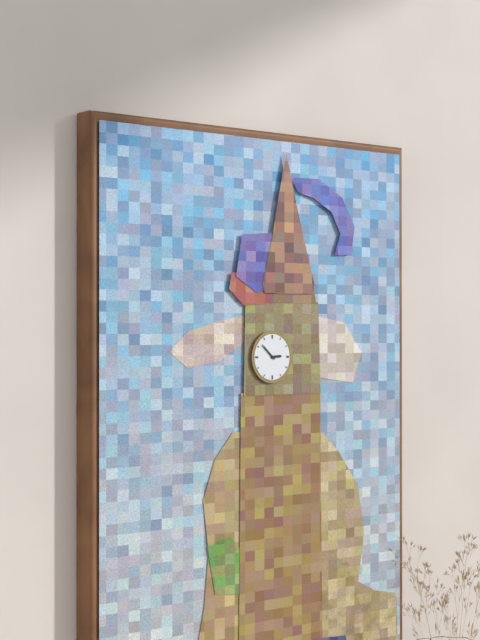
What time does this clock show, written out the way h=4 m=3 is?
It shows h=2 m=52
